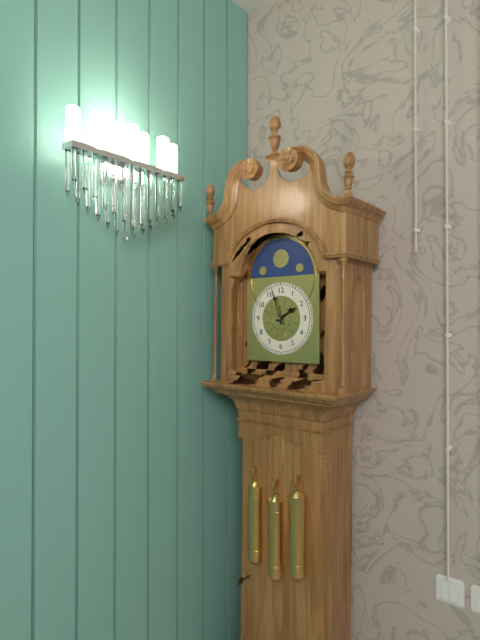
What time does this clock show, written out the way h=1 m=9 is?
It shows h=1 m=57
